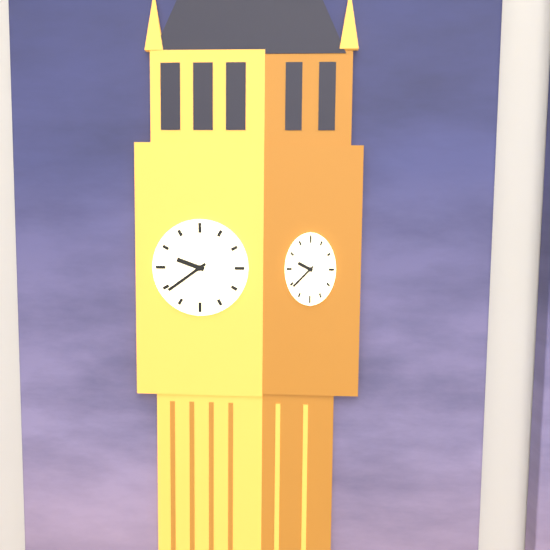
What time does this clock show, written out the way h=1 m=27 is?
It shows h=9 m=39
